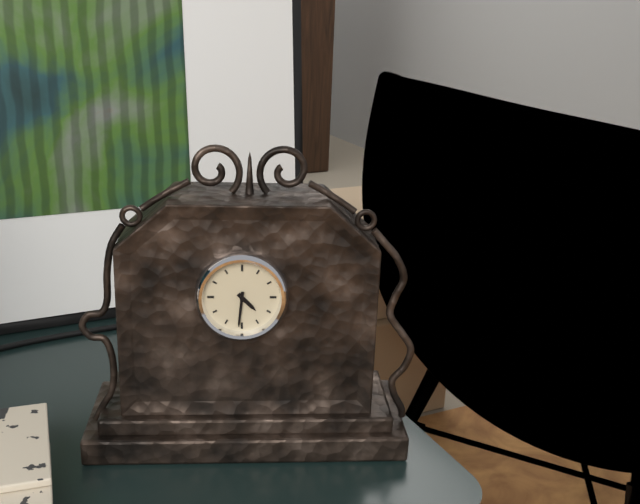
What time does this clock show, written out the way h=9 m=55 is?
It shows h=4 m=31
